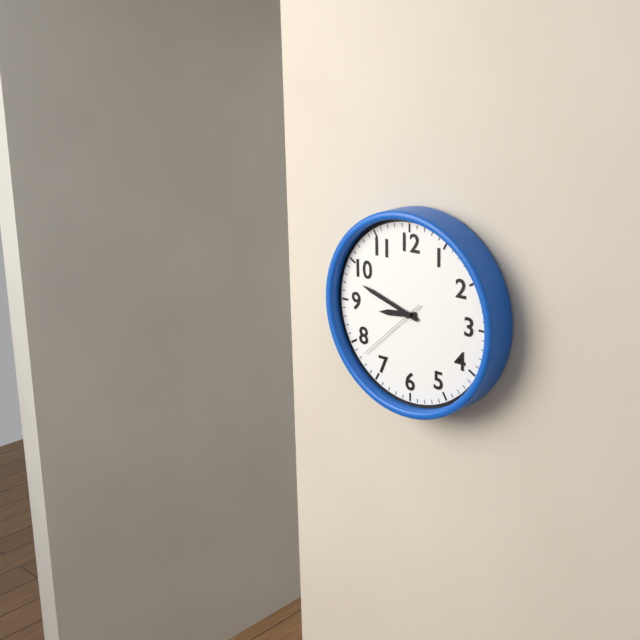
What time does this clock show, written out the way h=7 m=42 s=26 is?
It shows h=8 m=48 s=38
